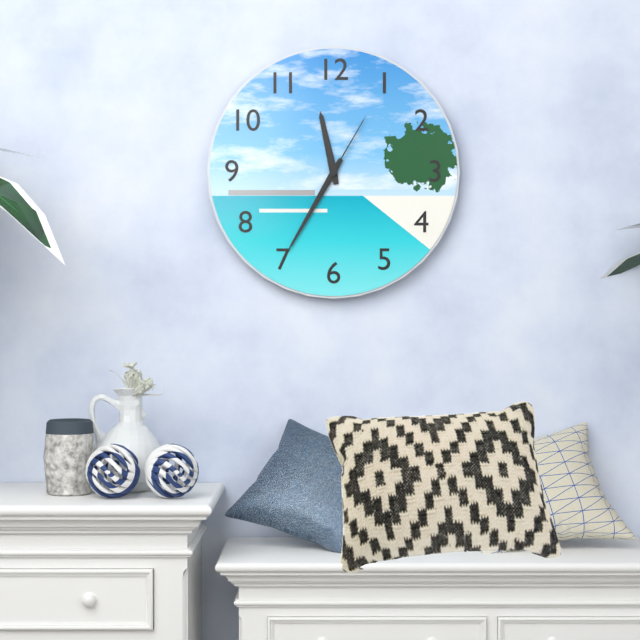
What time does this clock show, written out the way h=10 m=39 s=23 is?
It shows h=11 m=35 s=5
